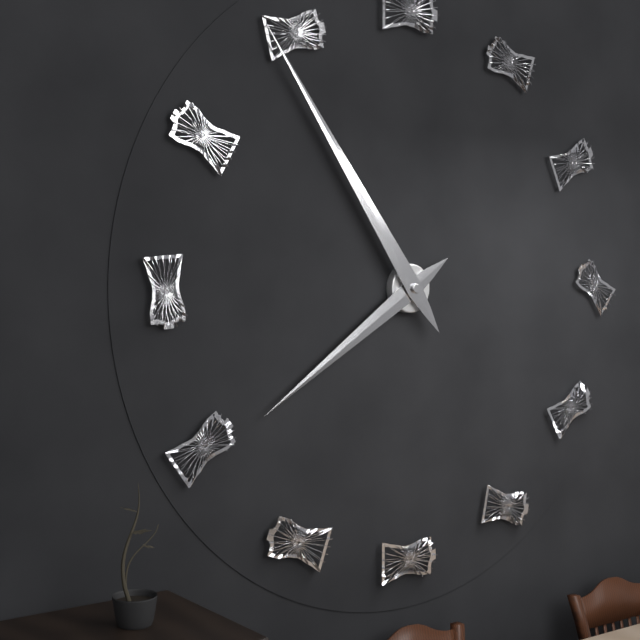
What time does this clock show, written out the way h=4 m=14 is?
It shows h=7 m=54
